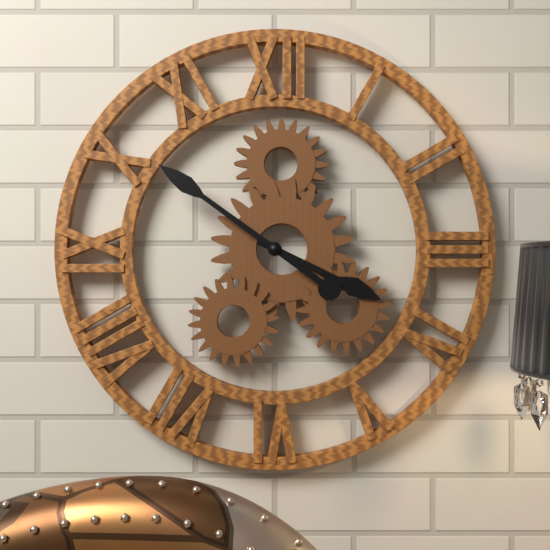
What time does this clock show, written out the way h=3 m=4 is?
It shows h=3 m=51
